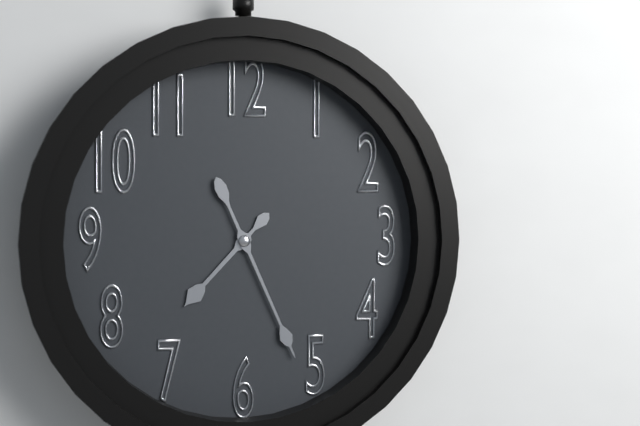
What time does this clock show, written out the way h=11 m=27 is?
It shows h=7 m=26
